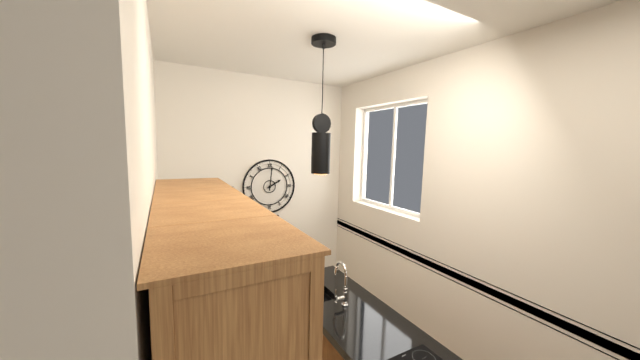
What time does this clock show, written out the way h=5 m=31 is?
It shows h=2 m=1
